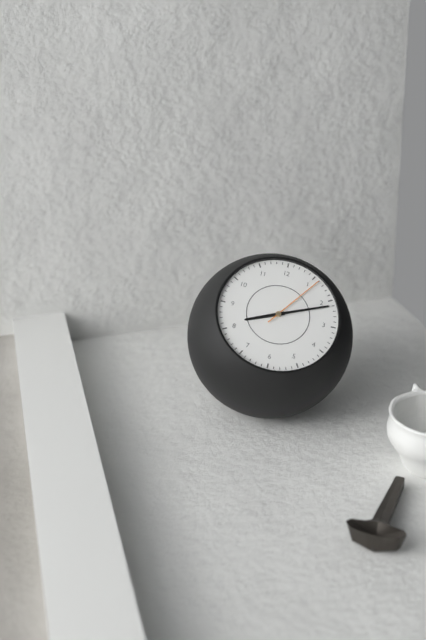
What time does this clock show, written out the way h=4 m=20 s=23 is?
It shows h=8 m=11 s=6
